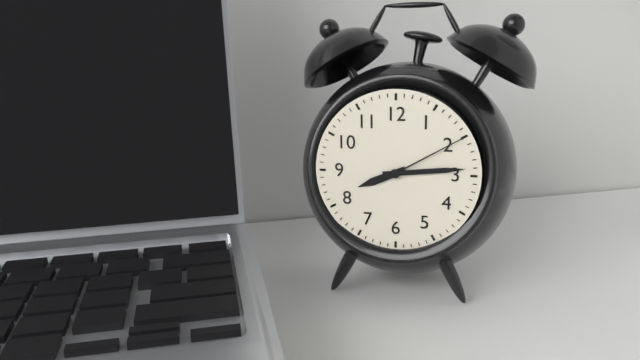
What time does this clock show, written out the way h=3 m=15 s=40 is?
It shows h=8 m=14 s=10
